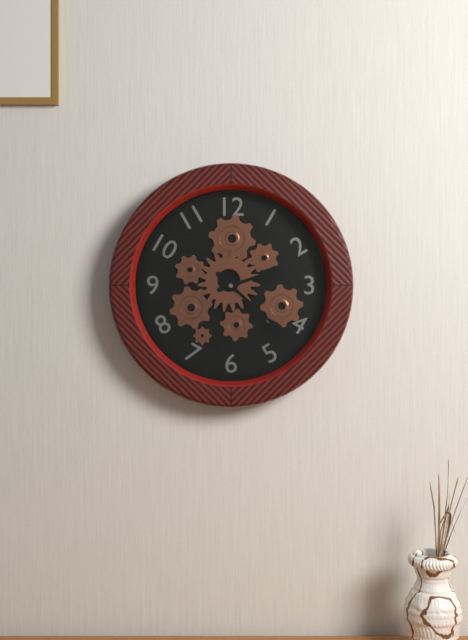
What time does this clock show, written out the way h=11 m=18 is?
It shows h=2 m=22
